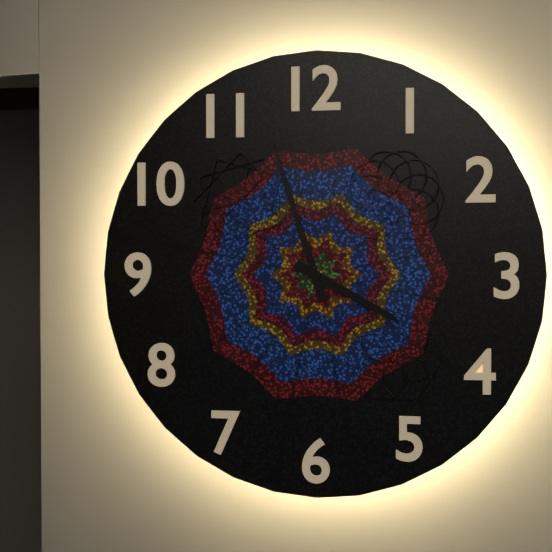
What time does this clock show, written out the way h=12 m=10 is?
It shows h=3 m=57
